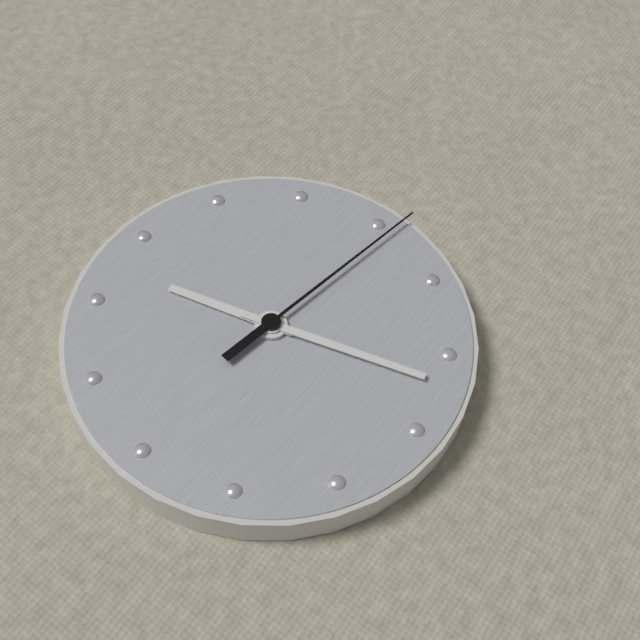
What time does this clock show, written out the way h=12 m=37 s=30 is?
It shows h=11 m=27 s=16
